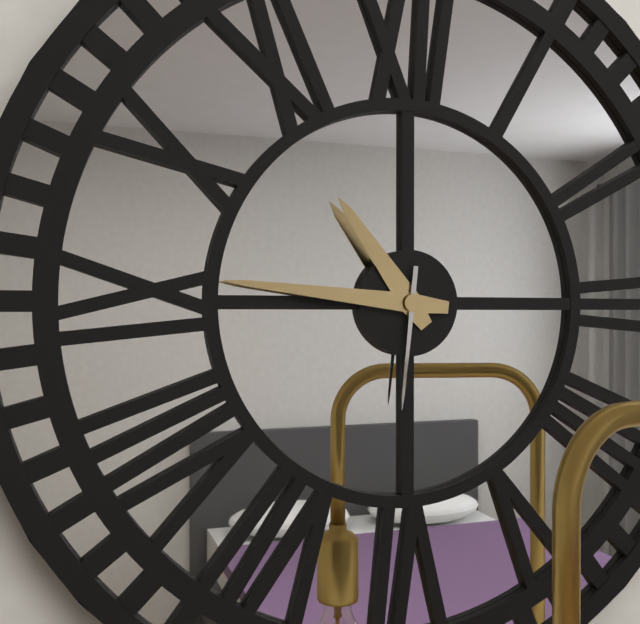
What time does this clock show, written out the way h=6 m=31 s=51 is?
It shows h=10 m=46 s=31
